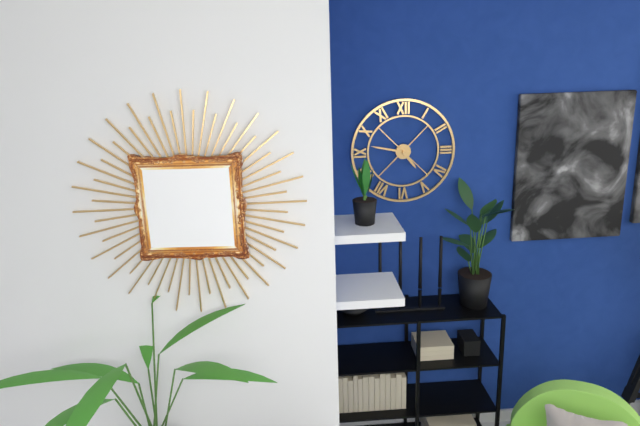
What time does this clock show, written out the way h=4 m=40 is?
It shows h=4 m=47
